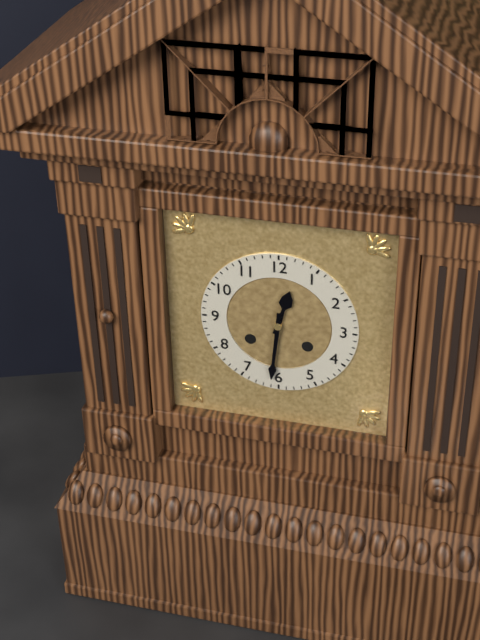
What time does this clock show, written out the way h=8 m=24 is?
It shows h=12 m=31
